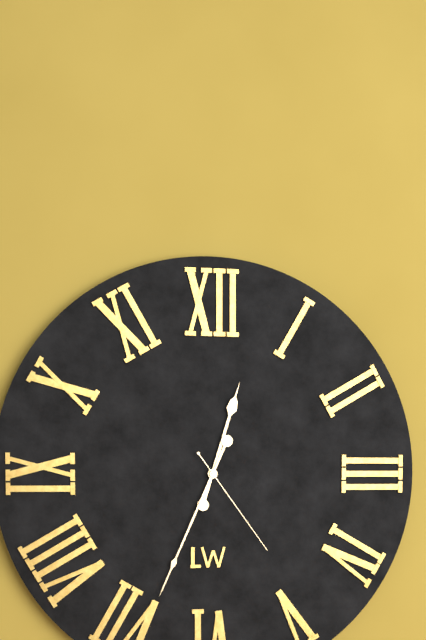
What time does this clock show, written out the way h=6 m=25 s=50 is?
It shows h=12 m=34 s=24
